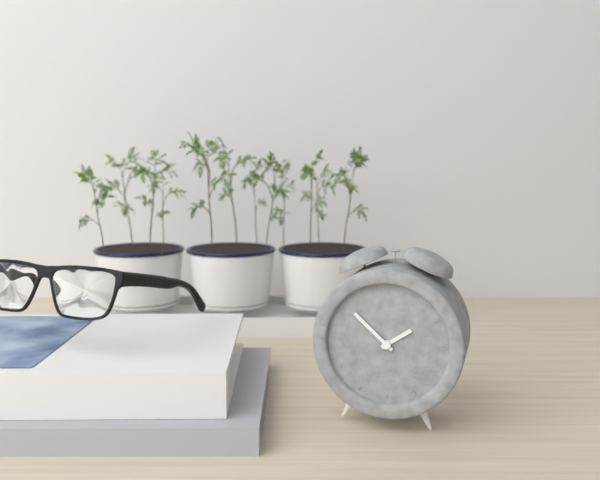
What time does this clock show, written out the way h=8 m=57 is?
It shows h=1 m=52
